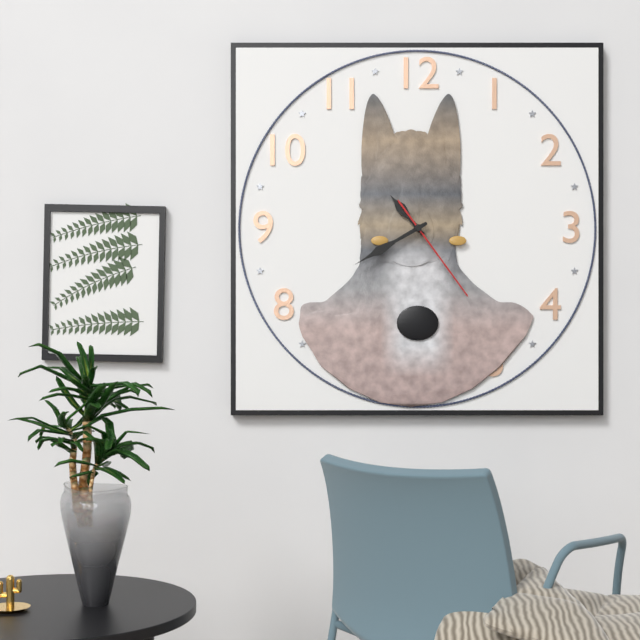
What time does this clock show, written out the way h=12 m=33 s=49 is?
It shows h=10 m=40 s=24
